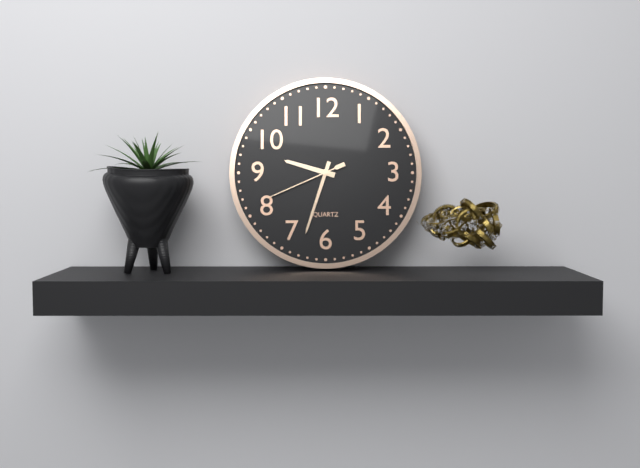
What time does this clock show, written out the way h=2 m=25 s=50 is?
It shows h=9 m=33 s=41
